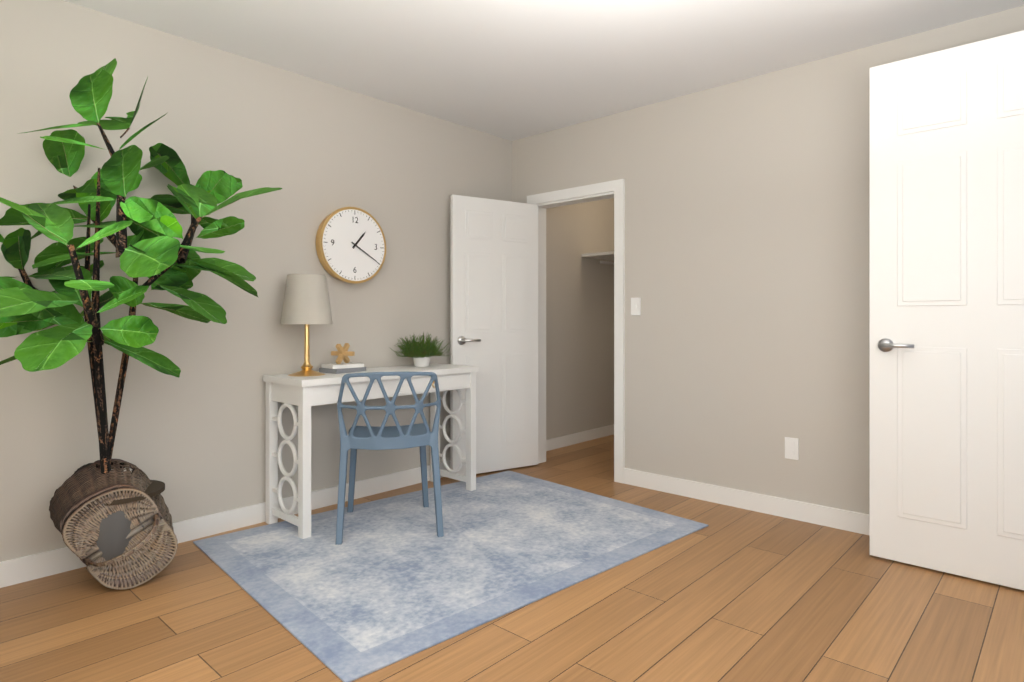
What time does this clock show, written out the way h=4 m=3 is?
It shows h=1 m=20
